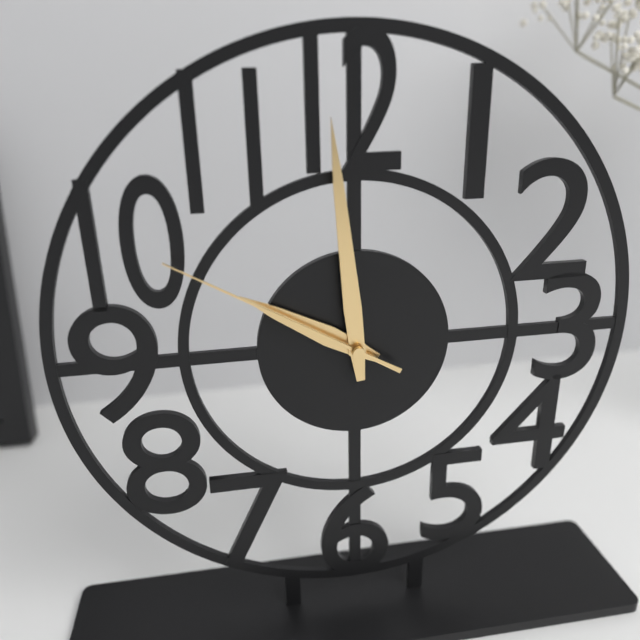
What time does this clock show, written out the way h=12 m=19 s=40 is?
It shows h=9 m=59 s=50
